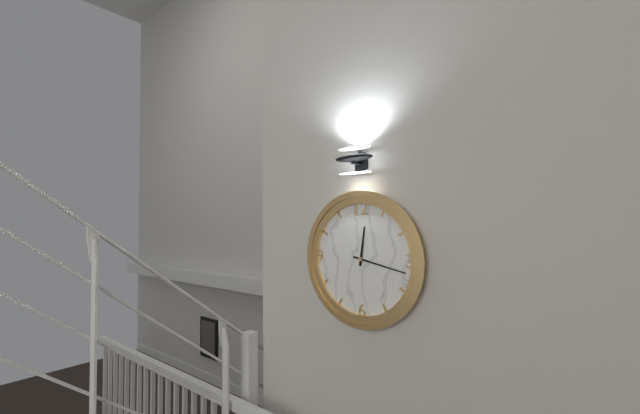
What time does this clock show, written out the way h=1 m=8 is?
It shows h=12 m=17
